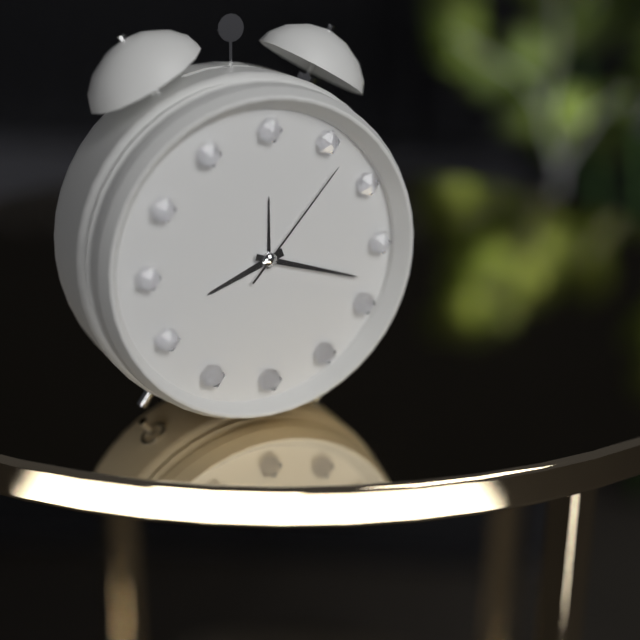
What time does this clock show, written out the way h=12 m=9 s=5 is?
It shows h=8 m=18 s=7
